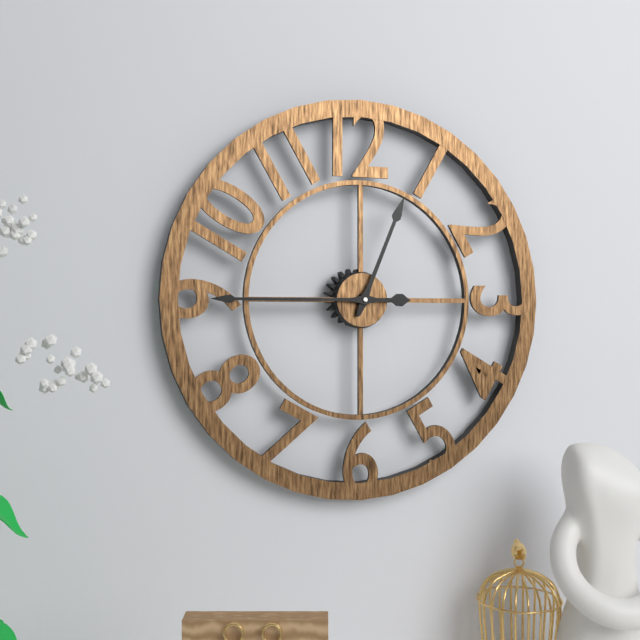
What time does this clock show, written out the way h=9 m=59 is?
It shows h=12 m=45
